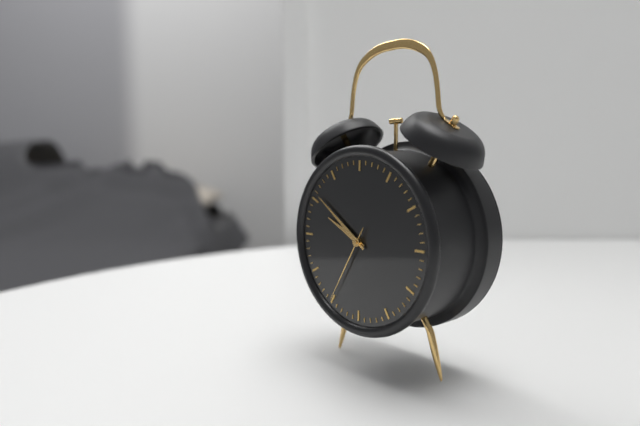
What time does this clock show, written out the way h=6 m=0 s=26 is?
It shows h=9 m=51 s=35
